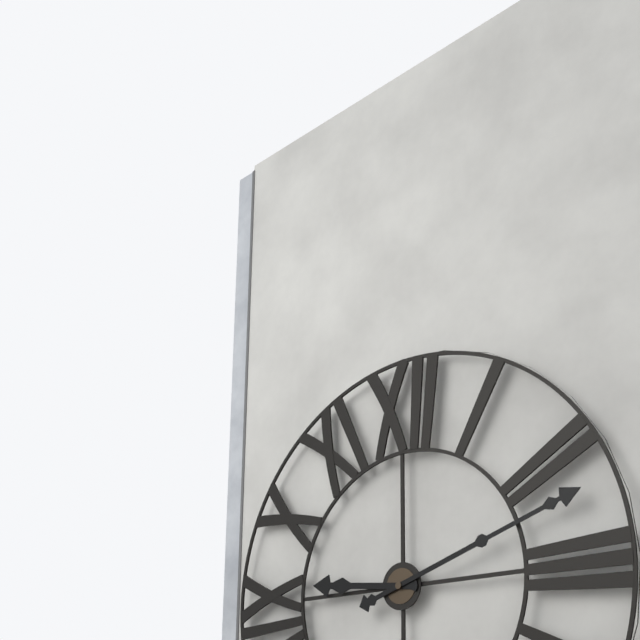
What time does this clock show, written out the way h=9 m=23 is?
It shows h=9 m=12
